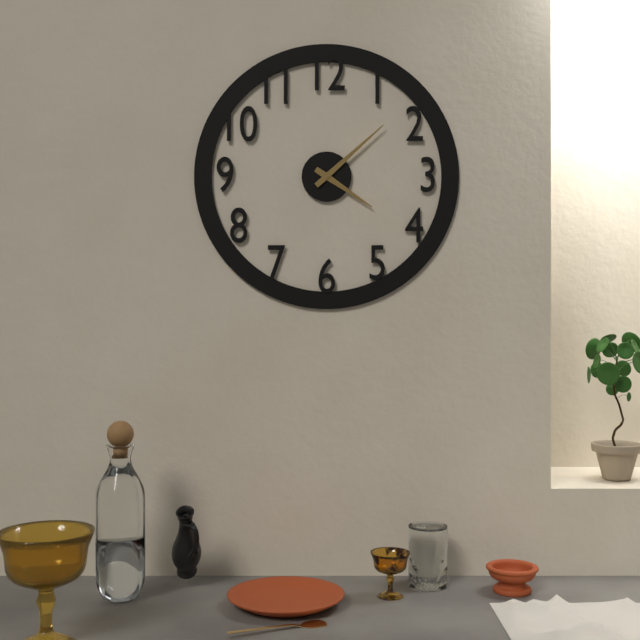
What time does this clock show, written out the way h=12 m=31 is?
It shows h=4 m=8
